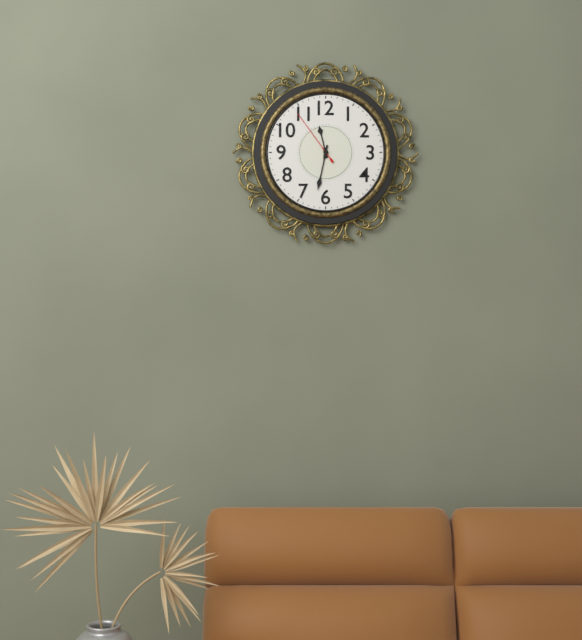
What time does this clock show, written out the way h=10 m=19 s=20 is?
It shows h=11 m=32 s=54
